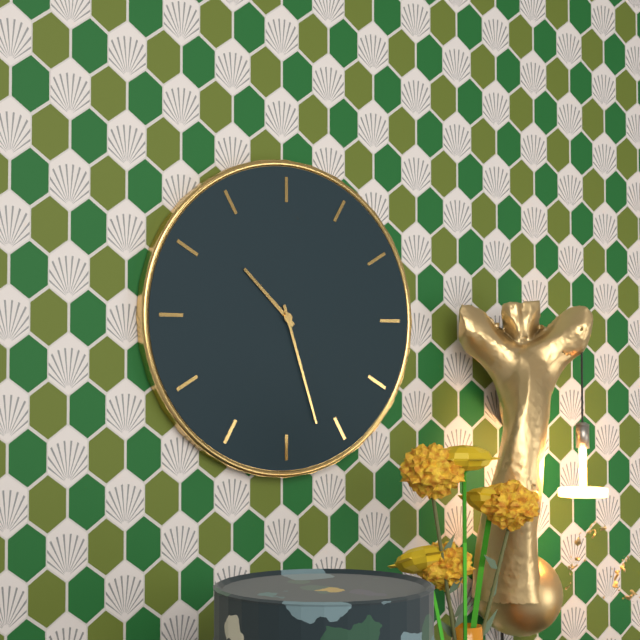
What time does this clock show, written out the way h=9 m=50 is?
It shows h=10 m=27
